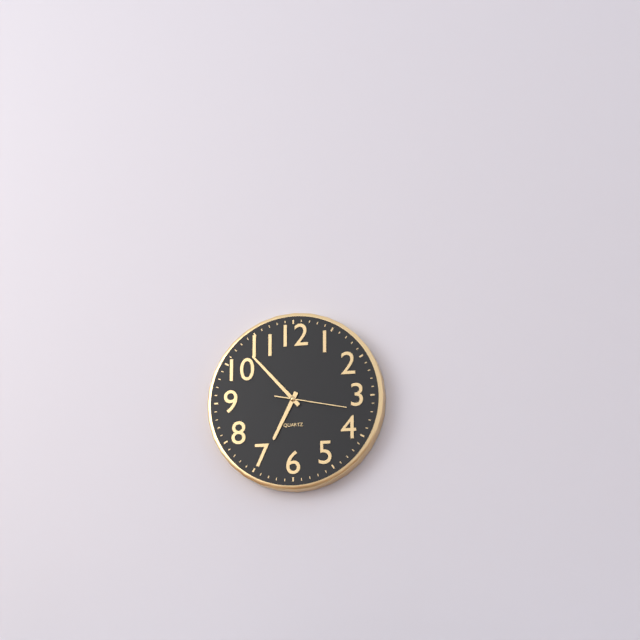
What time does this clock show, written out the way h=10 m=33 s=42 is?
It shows h=6 m=53 s=17
